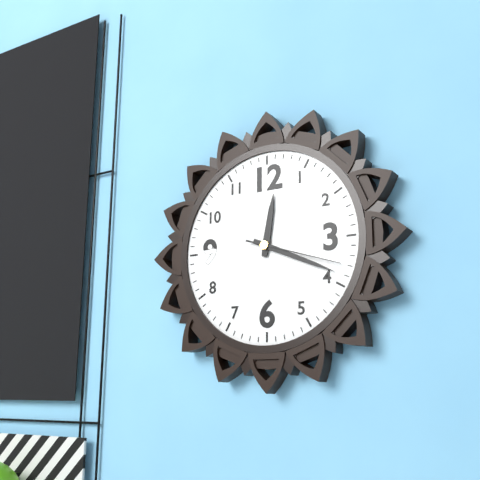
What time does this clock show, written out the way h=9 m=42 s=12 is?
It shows h=12 m=19 s=18
